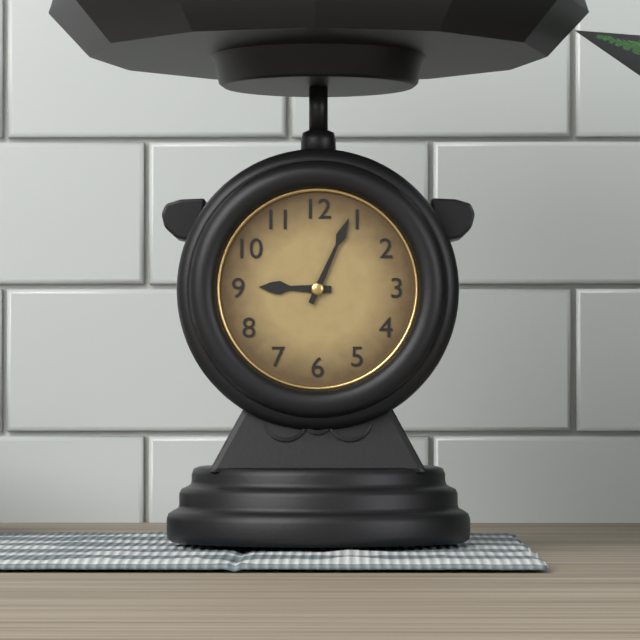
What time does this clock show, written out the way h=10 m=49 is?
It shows h=9 m=4
